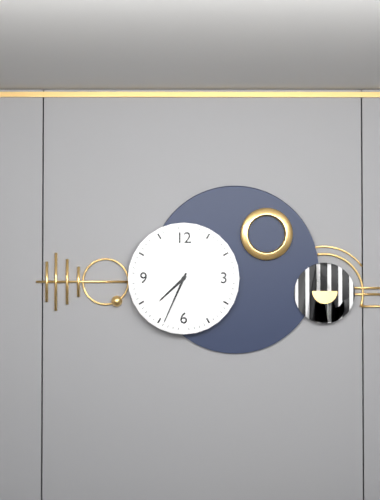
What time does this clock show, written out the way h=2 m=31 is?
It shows h=7 m=34
